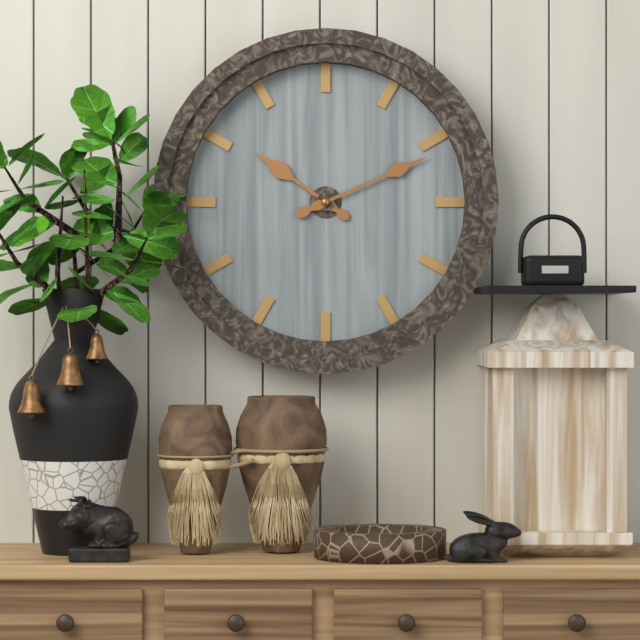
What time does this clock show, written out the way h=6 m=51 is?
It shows h=10 m=11
